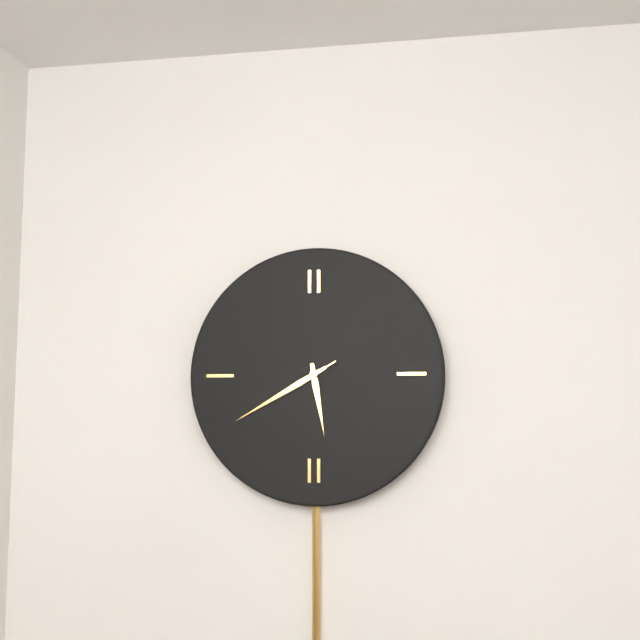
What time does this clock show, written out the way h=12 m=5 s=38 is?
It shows h=5 m=40 s=40
